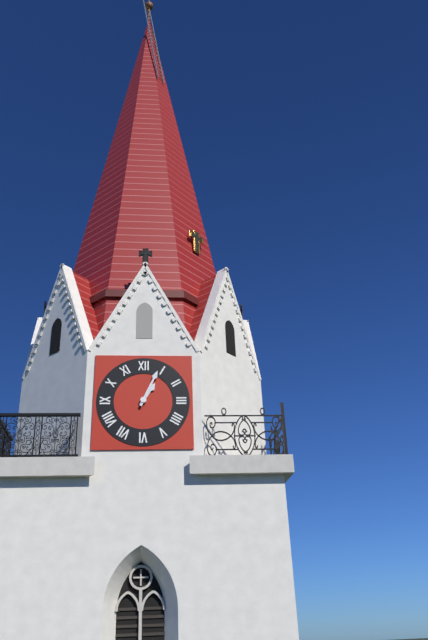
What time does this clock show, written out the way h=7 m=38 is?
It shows h=1 m=4
